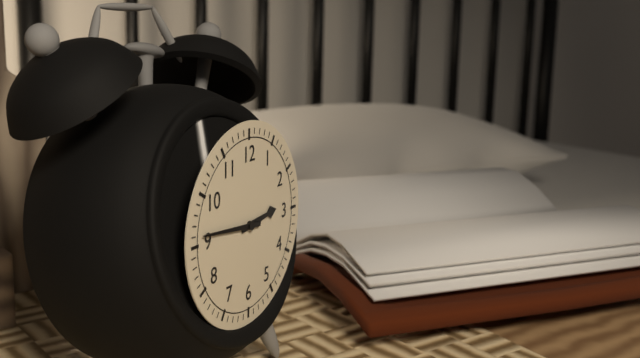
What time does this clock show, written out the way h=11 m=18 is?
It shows h=2 m=46
